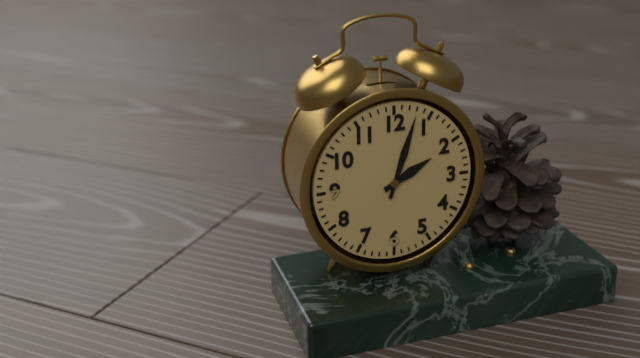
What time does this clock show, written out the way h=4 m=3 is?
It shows h=2 m=3
